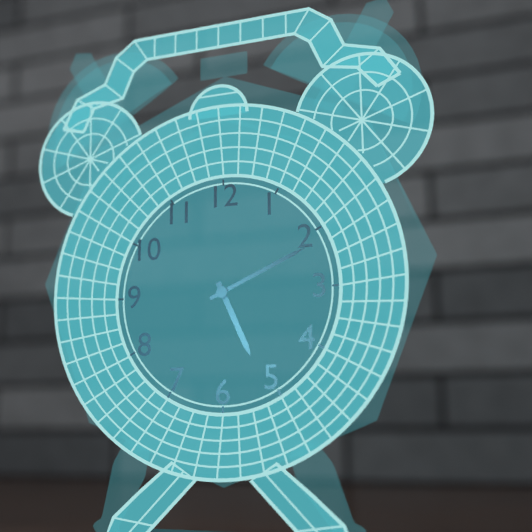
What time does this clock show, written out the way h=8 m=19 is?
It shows h=5 m=11
